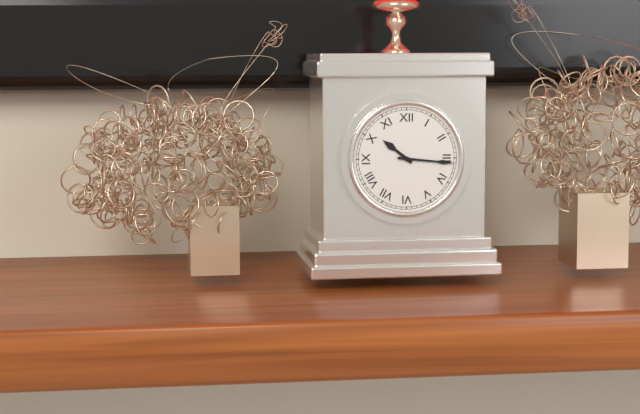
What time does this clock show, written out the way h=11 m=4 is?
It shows h=10 m=16
